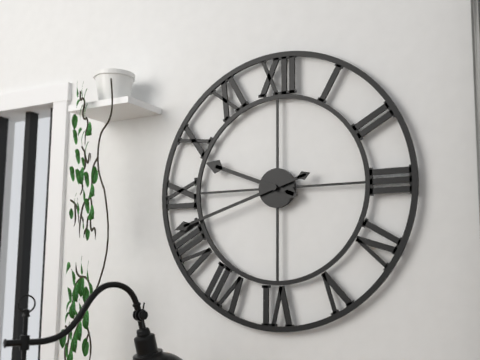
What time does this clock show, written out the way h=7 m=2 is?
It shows h=9 m=42
